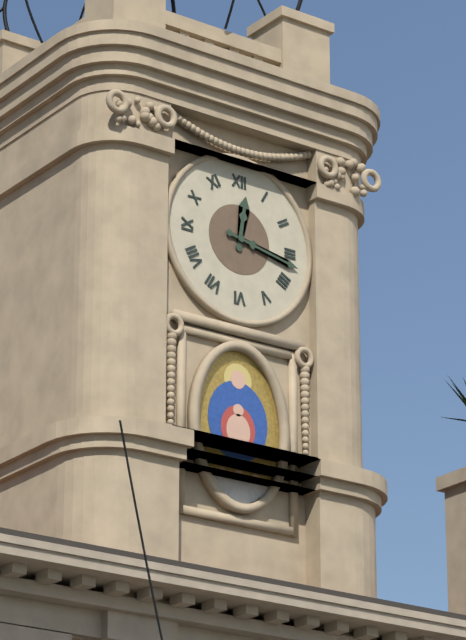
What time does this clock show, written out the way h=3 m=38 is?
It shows h=12 m=17
